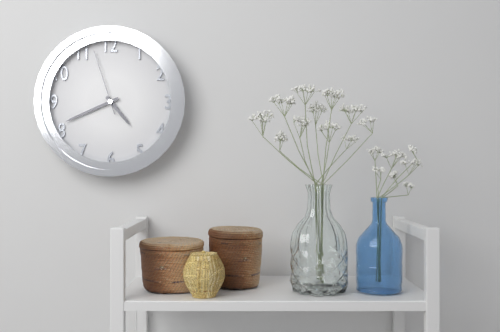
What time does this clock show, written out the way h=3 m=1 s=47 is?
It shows h=4 m=41 s=57
